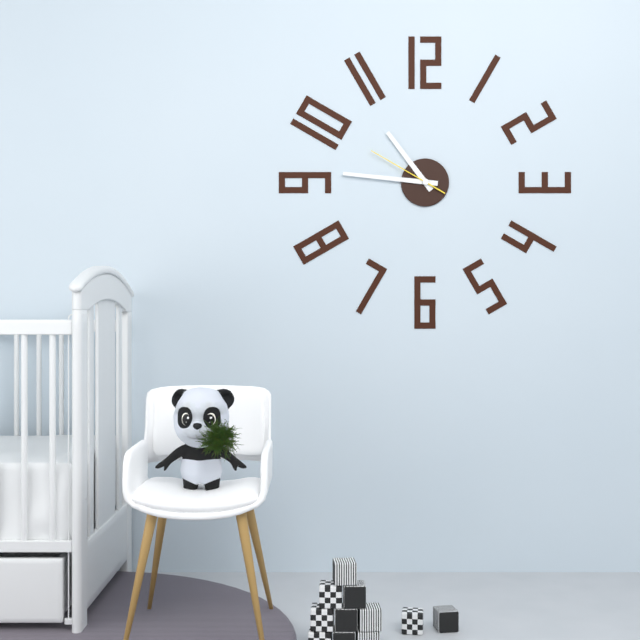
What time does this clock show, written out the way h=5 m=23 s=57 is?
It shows h=10 m=46 s=50
